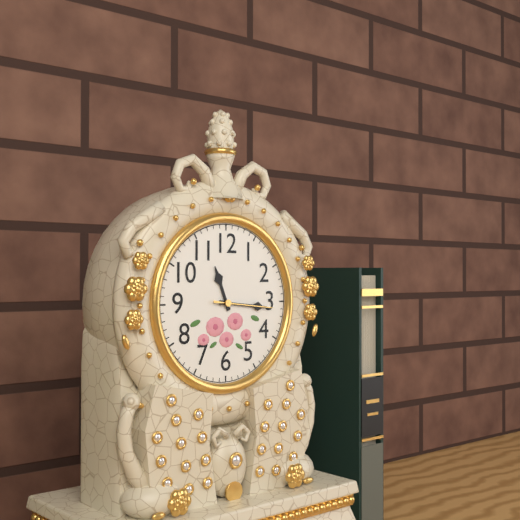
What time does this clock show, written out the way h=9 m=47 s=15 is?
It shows h=11 m=16 s=16
